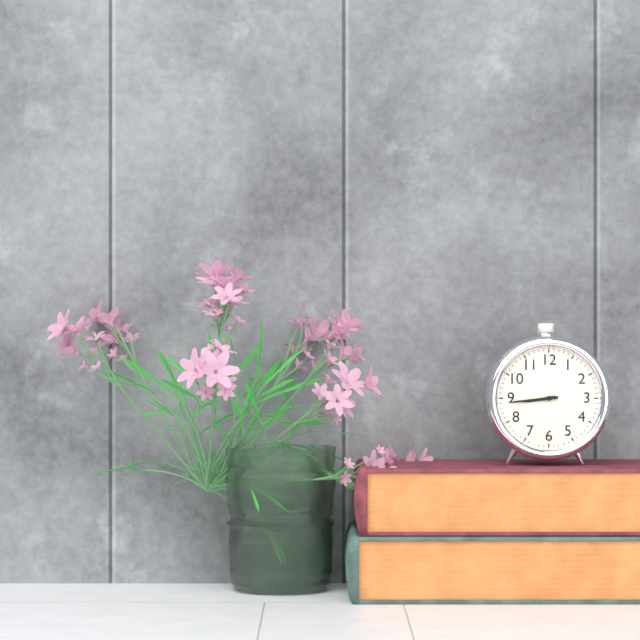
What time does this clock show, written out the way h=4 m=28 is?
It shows h=8 m=44
